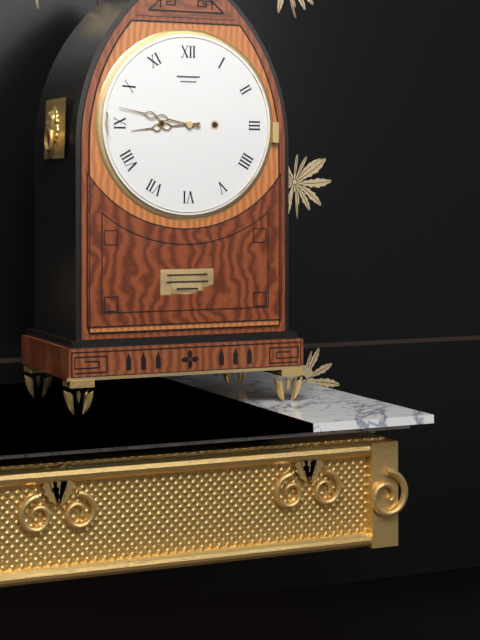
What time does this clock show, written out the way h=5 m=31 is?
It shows h=8 m=47
